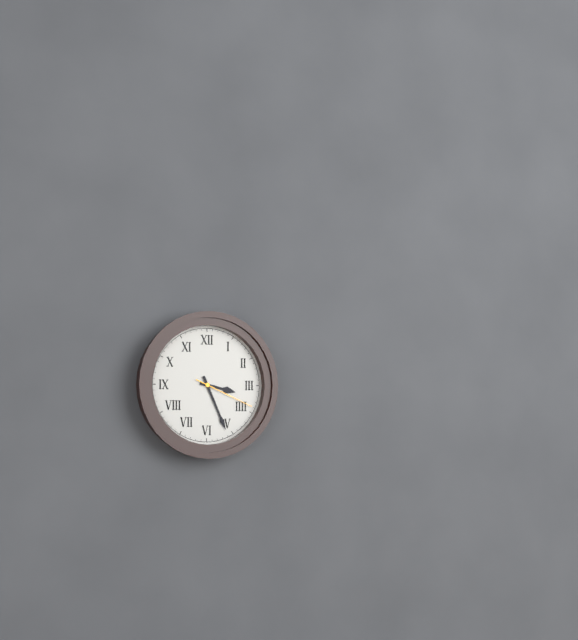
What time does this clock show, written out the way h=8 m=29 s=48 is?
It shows h=3 m=26 s=19
